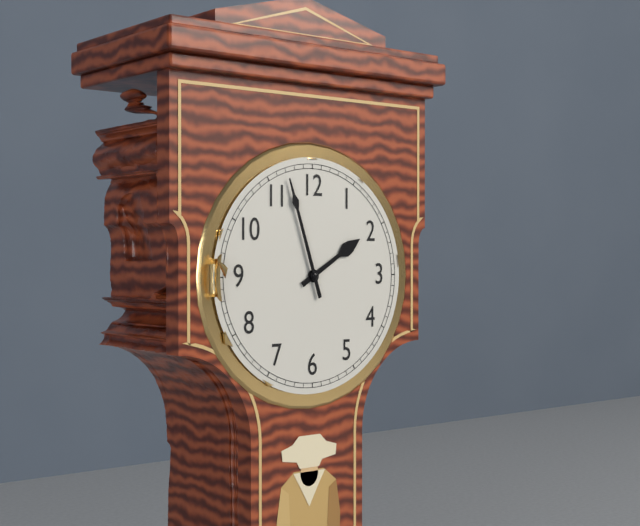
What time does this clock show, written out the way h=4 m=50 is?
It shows h=1 m=57
